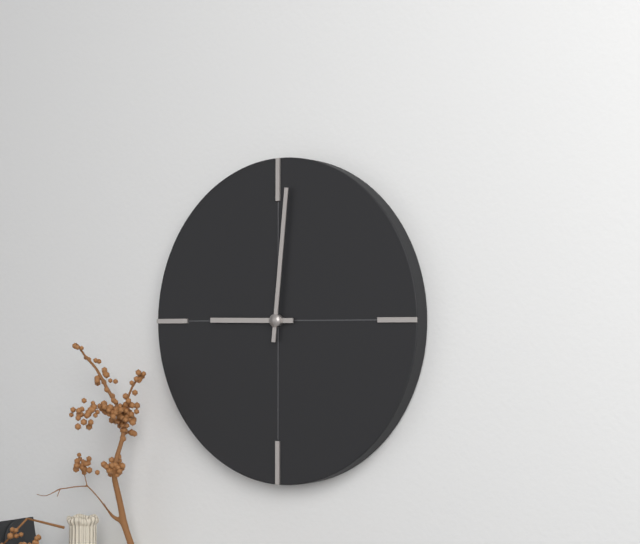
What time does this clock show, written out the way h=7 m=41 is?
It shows h=9 m=1
